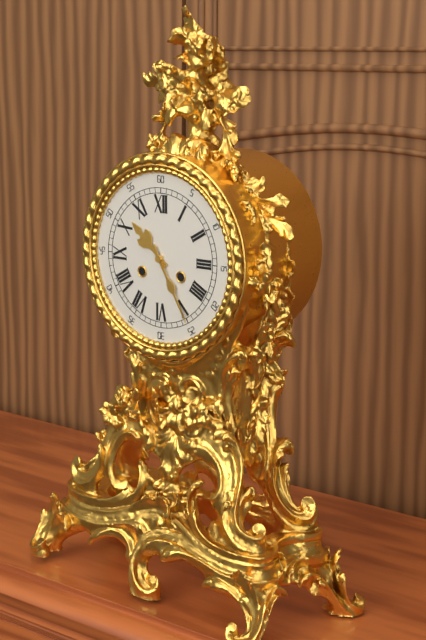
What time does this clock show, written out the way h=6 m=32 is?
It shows h=10 m=25
